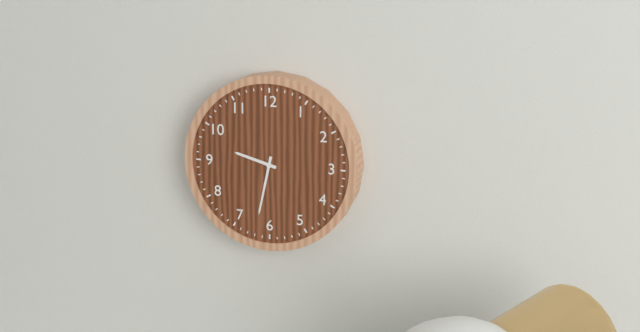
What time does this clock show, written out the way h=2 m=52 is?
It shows h=9 m=32
